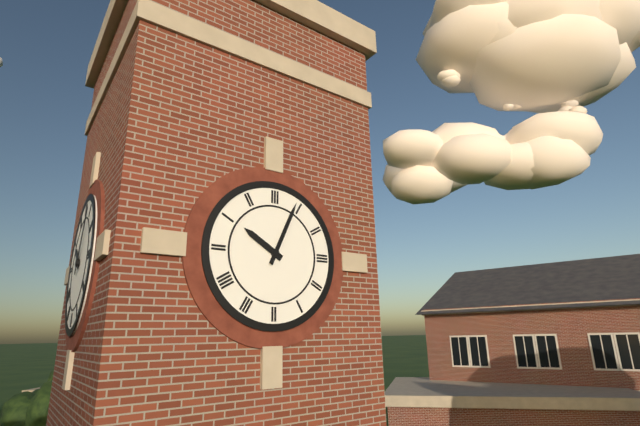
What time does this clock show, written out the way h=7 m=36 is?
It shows h=10 m=4
